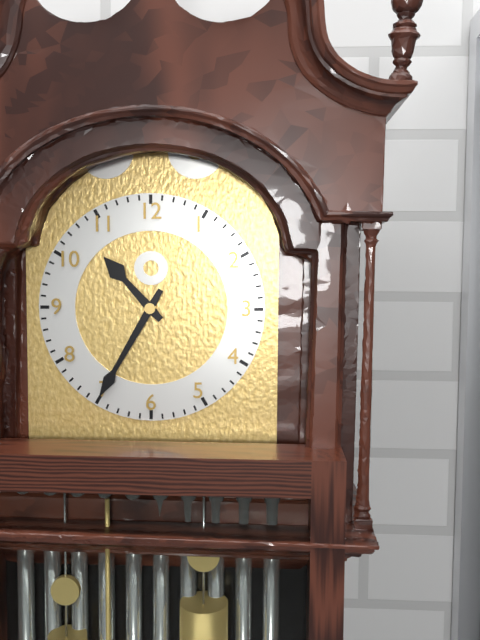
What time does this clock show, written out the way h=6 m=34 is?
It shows h=10 m=35
